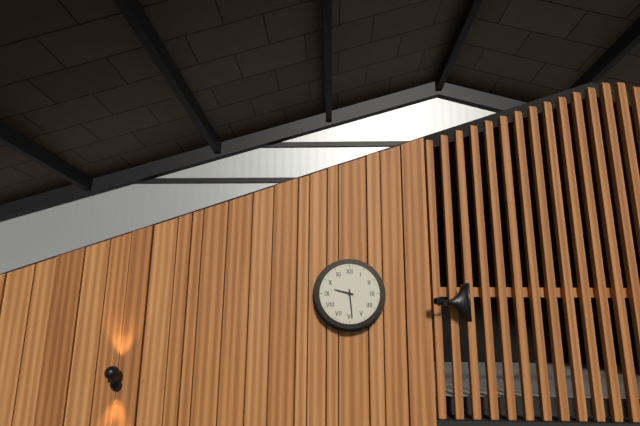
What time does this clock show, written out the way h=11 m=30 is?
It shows h=9 m=29
